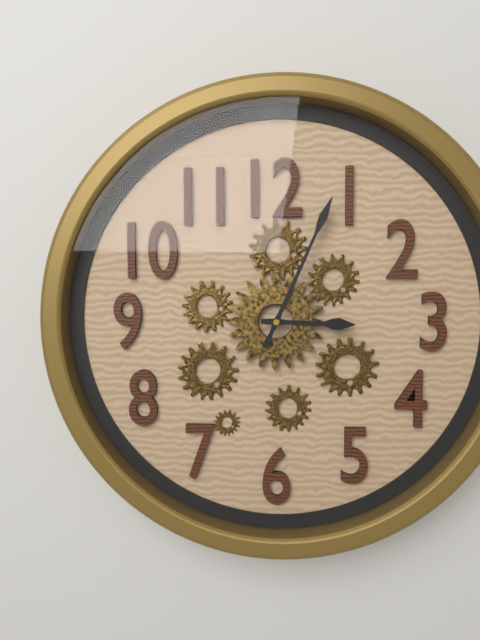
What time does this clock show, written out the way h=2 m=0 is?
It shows h=3 m=4
